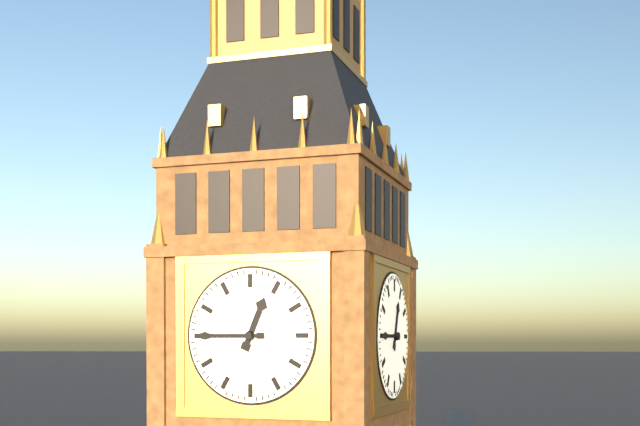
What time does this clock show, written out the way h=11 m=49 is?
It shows h=12 m=45
